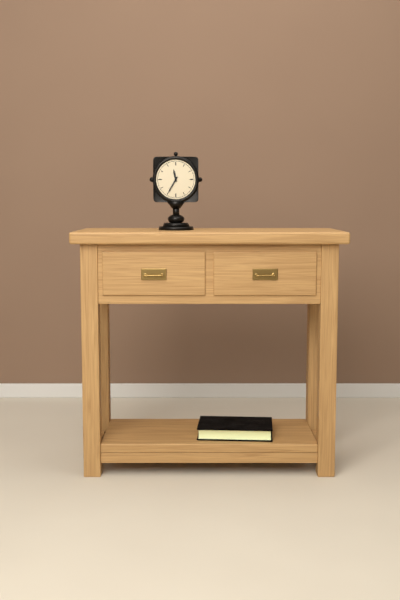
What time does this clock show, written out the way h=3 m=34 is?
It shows h=11 m=35
